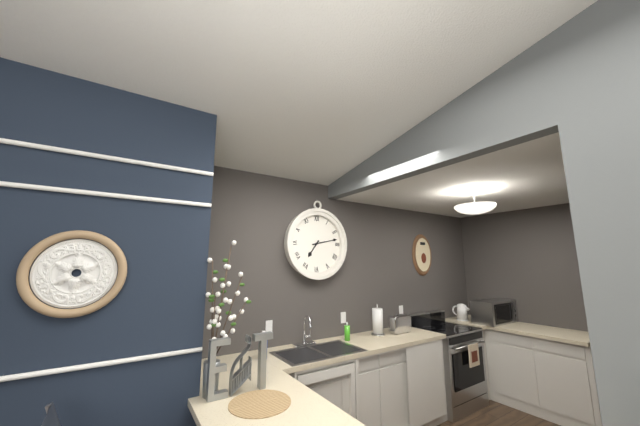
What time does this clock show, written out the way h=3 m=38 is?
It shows h=7 m=13
